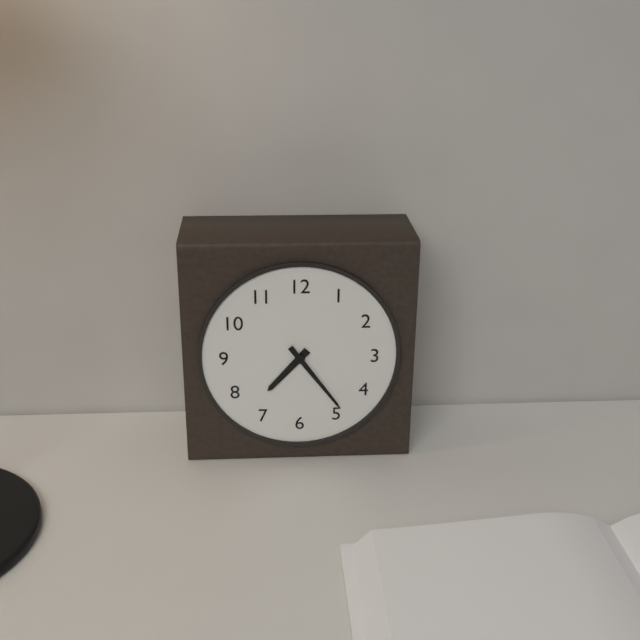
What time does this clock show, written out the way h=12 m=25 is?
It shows h=7 m=24
